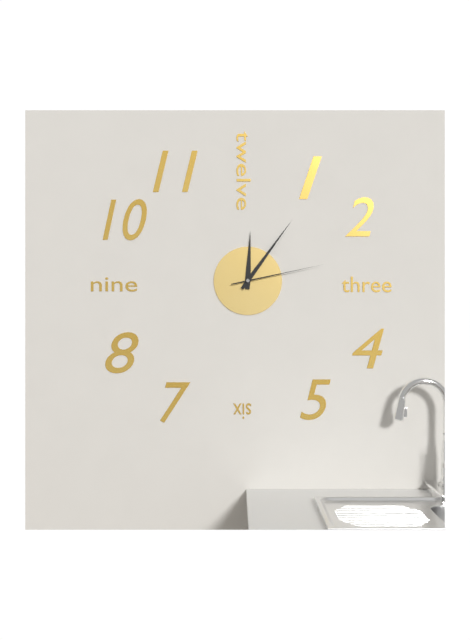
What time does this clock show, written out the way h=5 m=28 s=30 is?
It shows h=12 m=6 s=13
